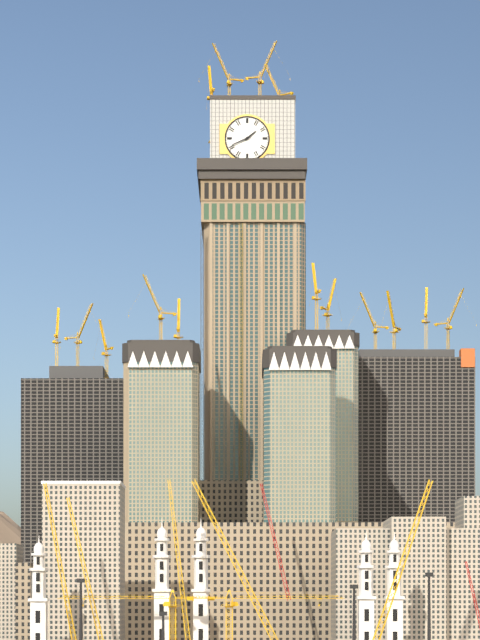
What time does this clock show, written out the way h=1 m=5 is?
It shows h=1 m=41
